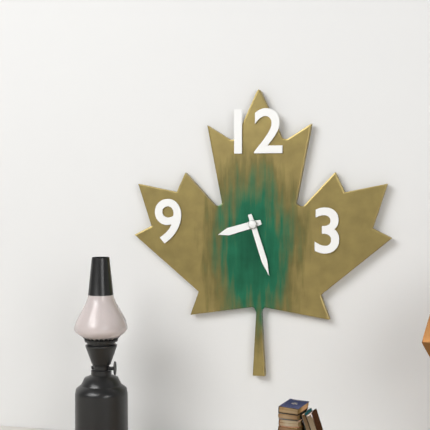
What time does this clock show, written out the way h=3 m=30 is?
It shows h=8 m=27
